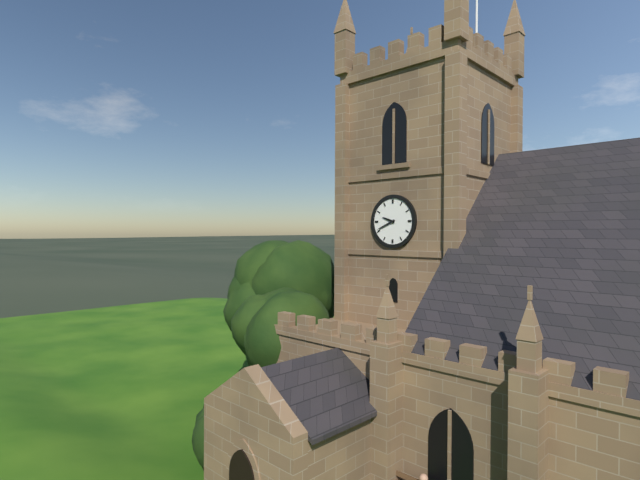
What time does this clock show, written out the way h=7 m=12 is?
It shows h=9 m=41
